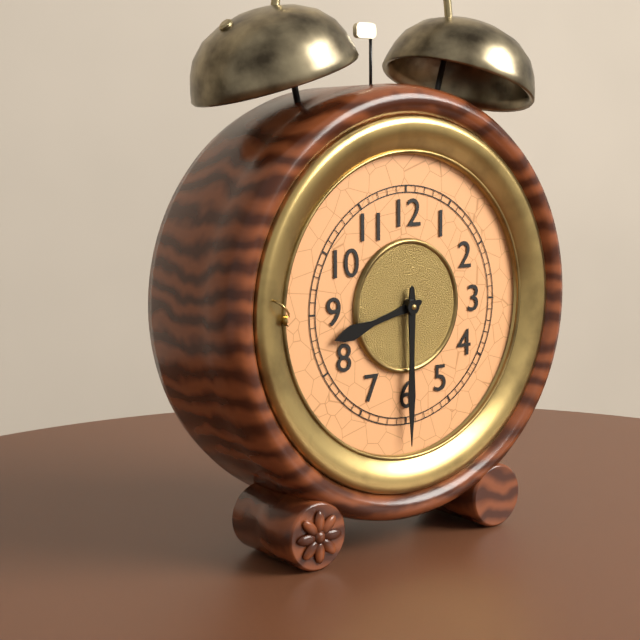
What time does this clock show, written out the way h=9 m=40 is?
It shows h=8 m=30
